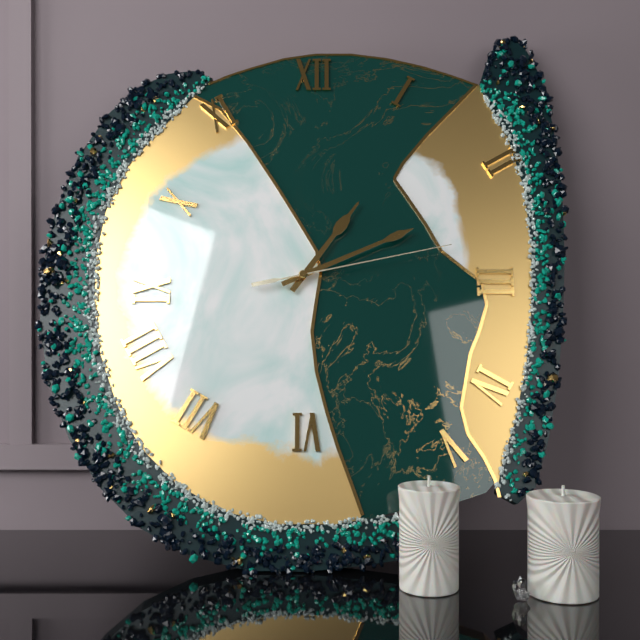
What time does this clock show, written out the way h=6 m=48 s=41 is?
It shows h=1 m=11 s=13
